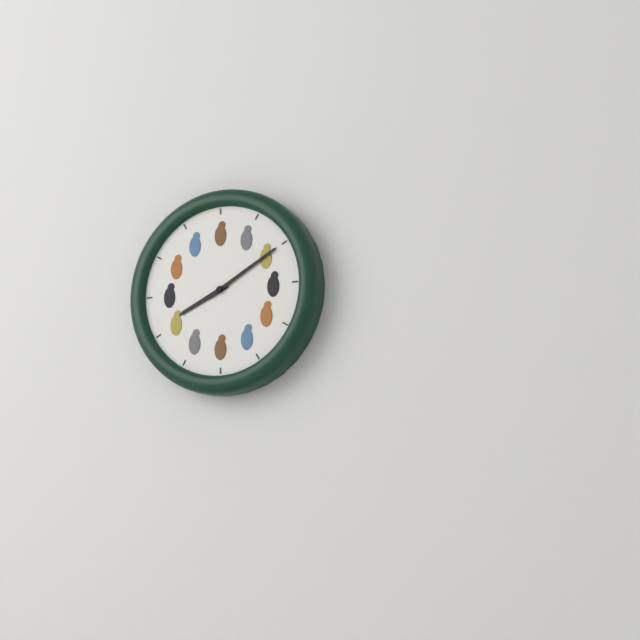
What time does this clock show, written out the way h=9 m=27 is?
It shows h=8 m=10
